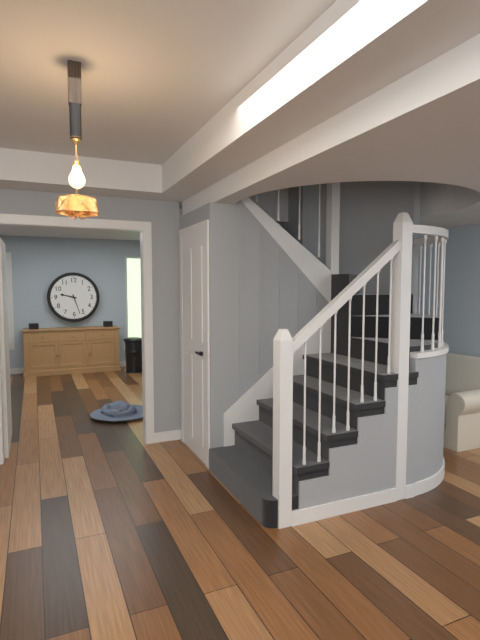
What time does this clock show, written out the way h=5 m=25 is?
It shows h=9 m=27
